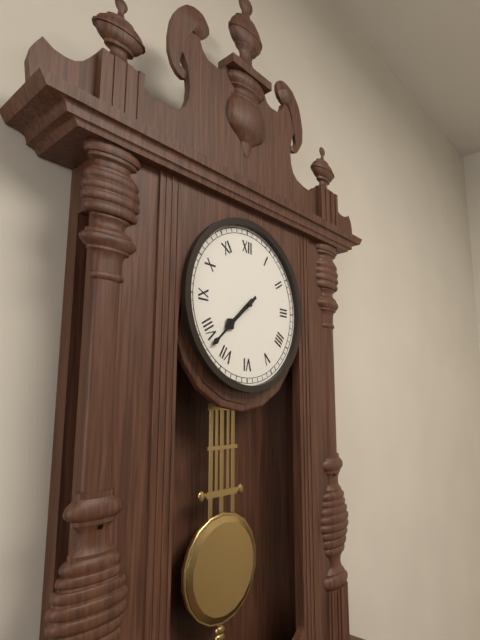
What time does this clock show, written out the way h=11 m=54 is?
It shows h=7 m=38
